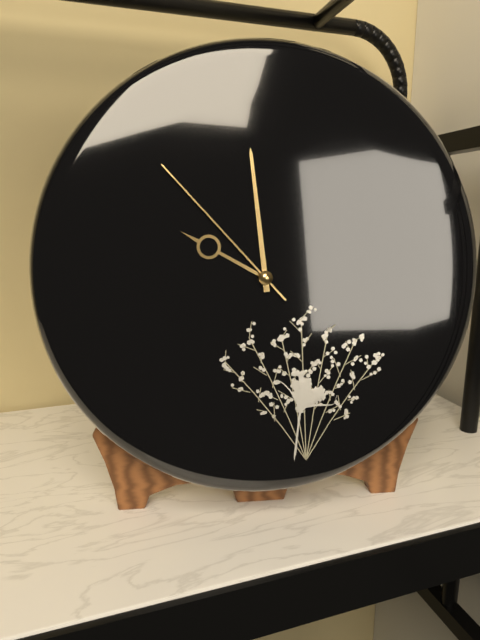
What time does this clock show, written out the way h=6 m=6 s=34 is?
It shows h=9 m=59 s=53
